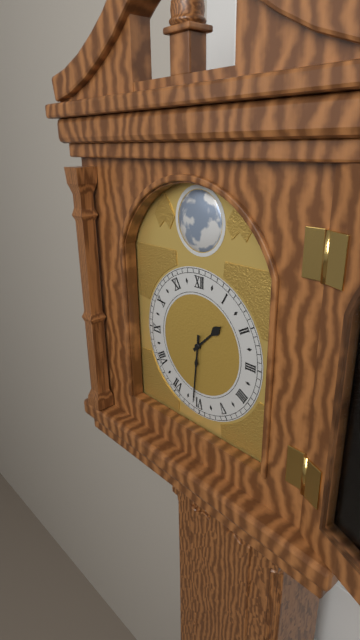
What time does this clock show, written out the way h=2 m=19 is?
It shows h=1 m=31
